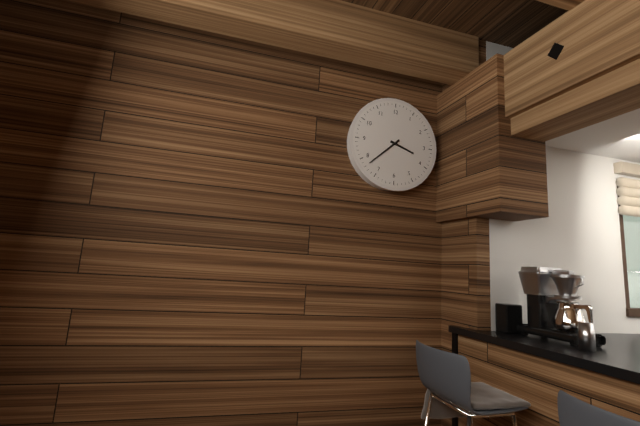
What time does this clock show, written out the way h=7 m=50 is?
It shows h=3 m=38
